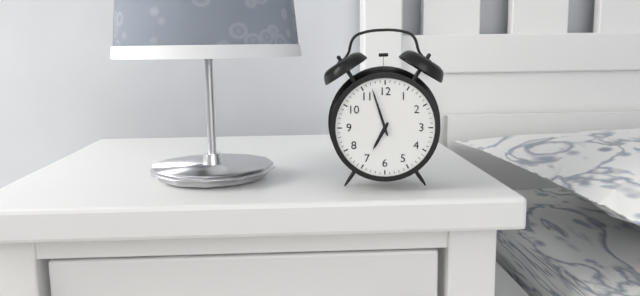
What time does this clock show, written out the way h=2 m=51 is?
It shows h=6 m=57
